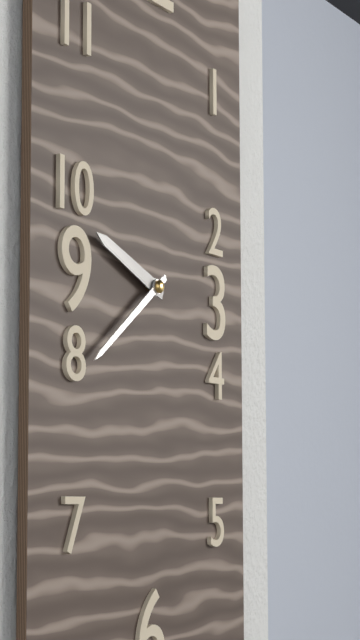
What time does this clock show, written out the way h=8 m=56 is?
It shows h=9 m=39
